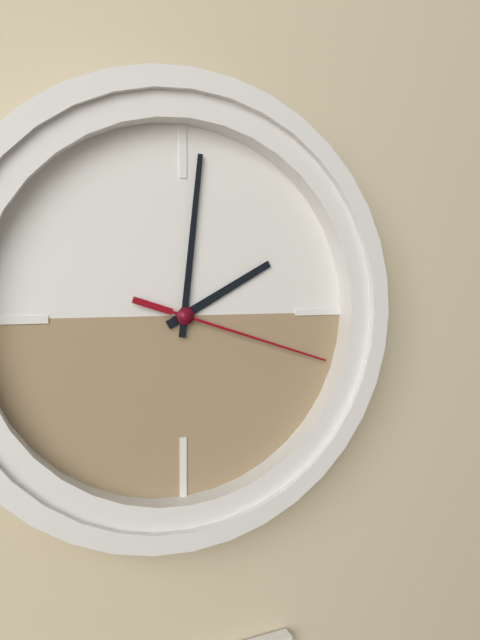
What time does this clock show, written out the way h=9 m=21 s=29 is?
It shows h=2 m=1 s=18
